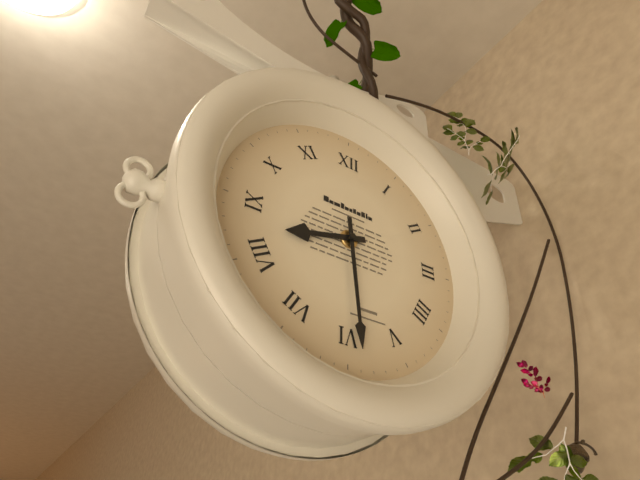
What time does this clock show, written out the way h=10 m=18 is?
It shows h=8 m=29
